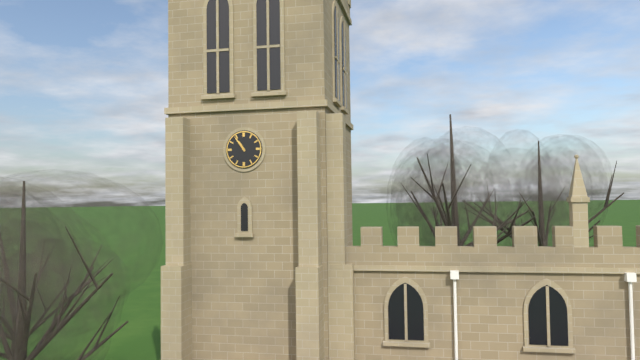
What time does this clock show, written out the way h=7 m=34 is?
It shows h=10 m=54
